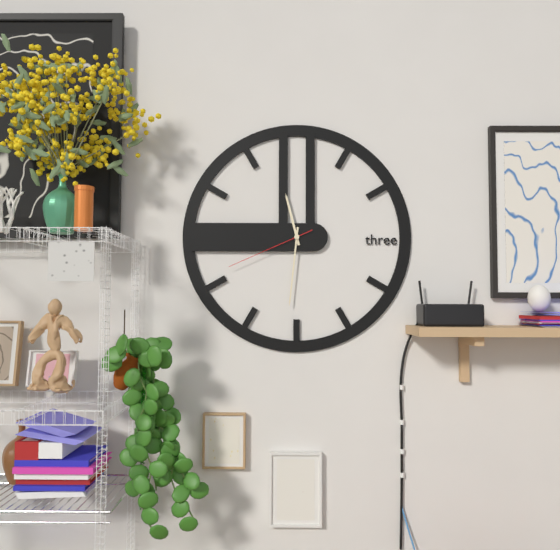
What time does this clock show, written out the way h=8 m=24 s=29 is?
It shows h=11 m=31 s=41
